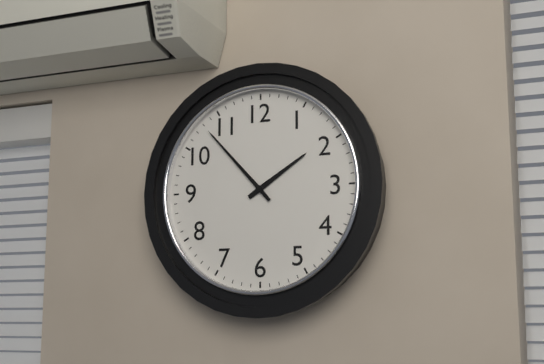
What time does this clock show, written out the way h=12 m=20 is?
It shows h=1 m=53
